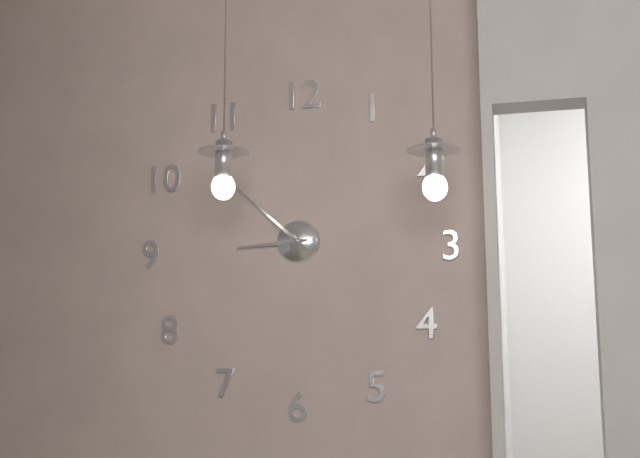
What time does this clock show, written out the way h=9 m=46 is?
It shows h=8 m=52
